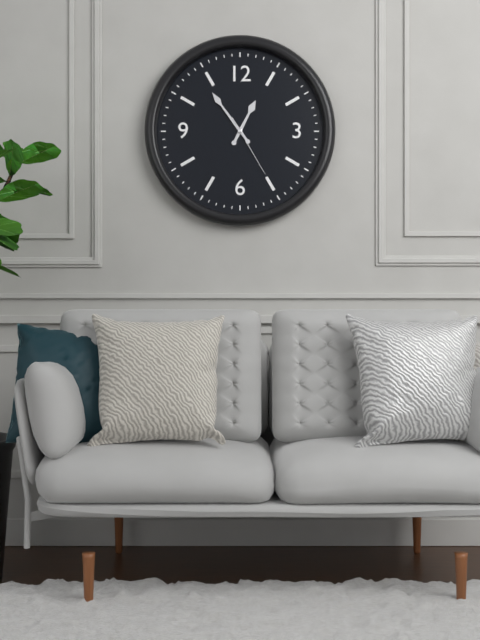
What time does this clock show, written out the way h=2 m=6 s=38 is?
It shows h=12 m=54 s=25
